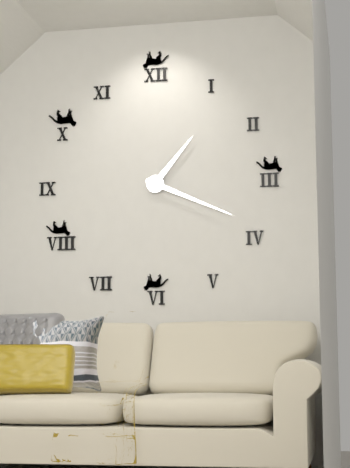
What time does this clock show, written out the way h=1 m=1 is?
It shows h=1 m=19
